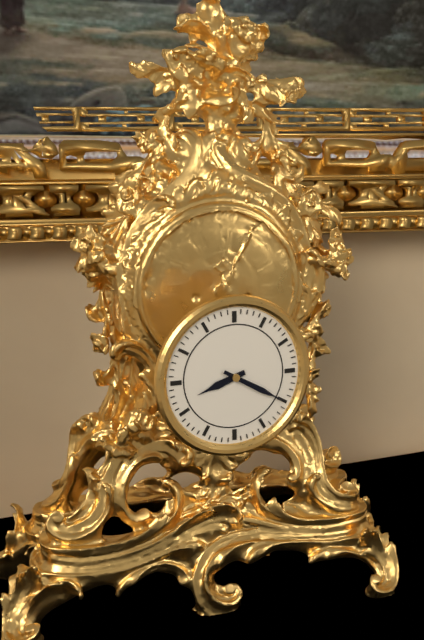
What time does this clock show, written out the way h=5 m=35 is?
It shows h=8 m=20
